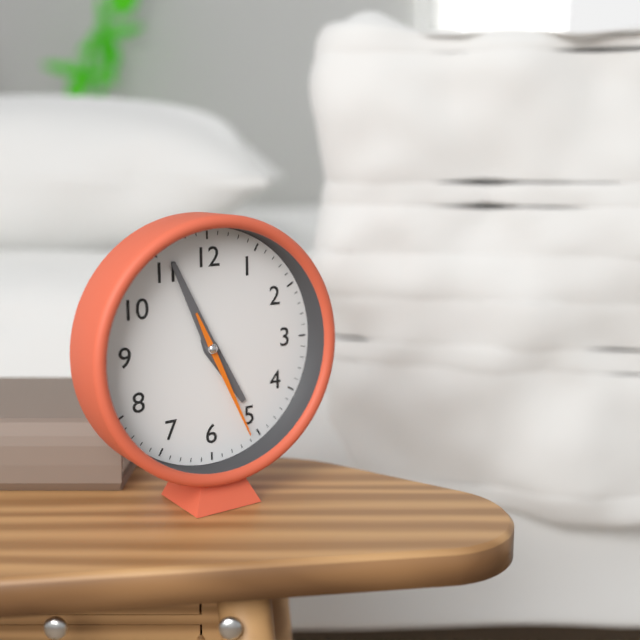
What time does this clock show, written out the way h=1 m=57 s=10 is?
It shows h=4 m=56 s=26
